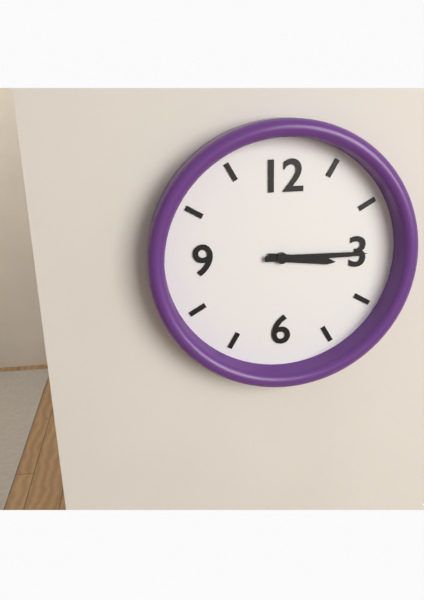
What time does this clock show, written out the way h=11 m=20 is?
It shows h=3 m=15
